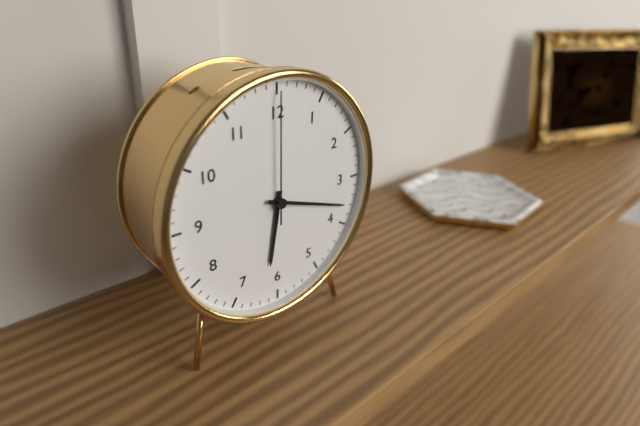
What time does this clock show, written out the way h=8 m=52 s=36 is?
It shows h=6 m=18 s=0
